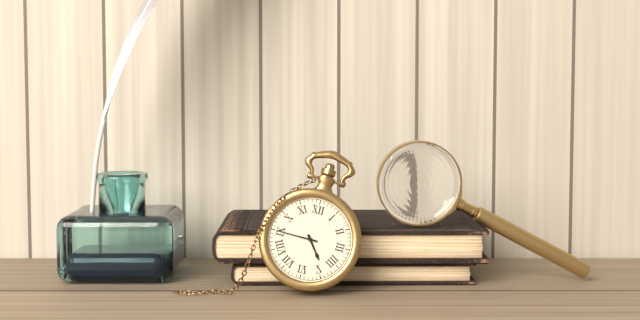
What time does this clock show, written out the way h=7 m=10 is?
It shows h=4 m=45
